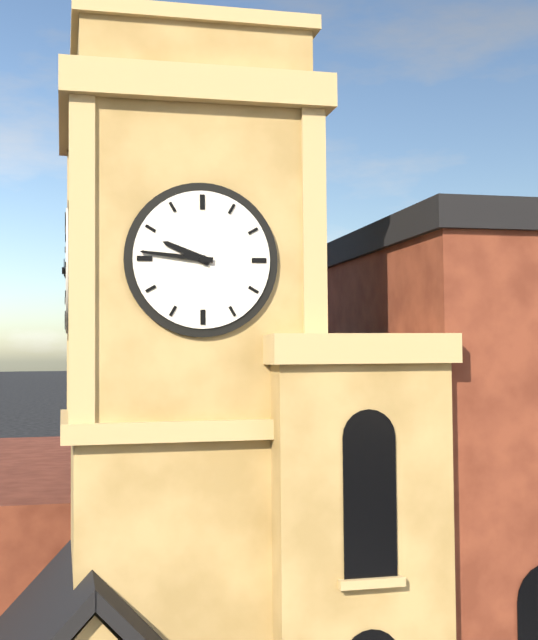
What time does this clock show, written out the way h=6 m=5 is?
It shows h=9 m=46
